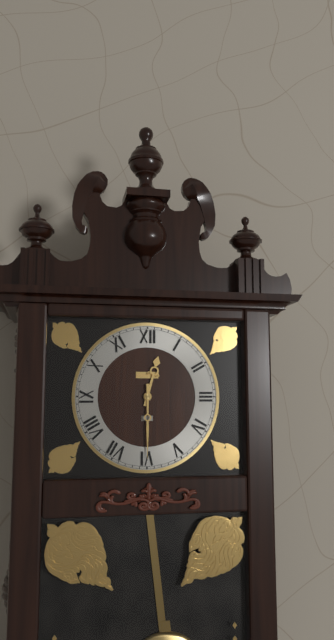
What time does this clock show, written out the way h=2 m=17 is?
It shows h=12 m=30
